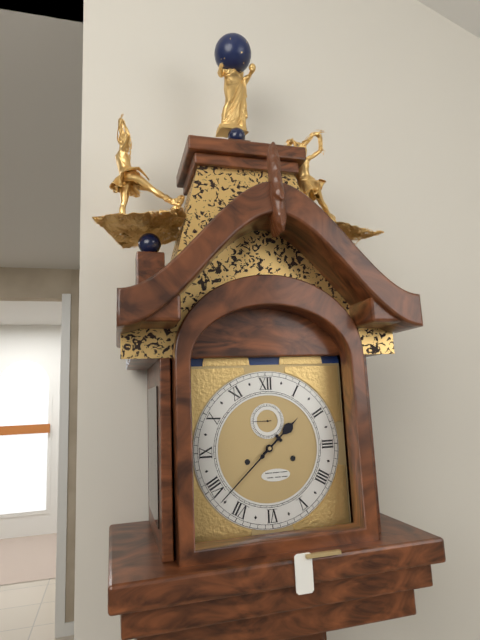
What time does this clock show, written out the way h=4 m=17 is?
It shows h=1 m=38
